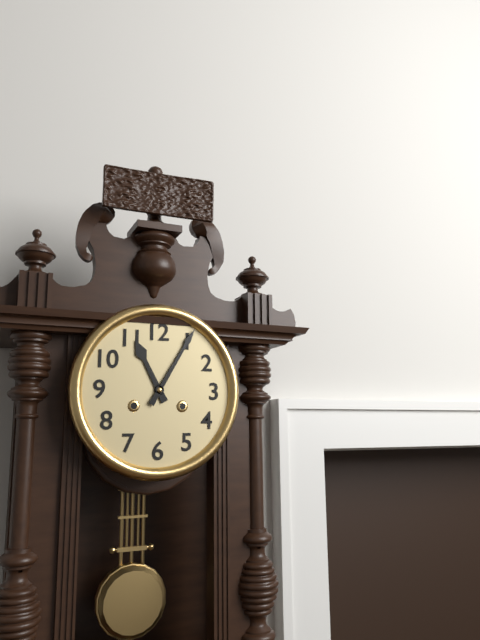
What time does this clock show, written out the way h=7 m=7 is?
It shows h=11 m=5
